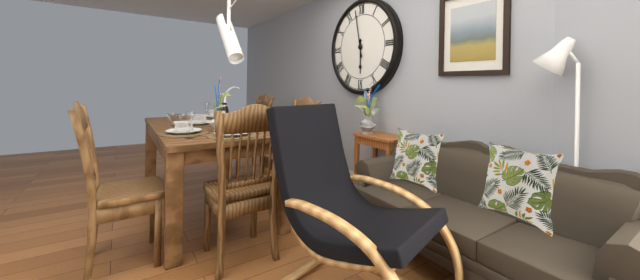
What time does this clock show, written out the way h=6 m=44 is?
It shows h=5 m=58
